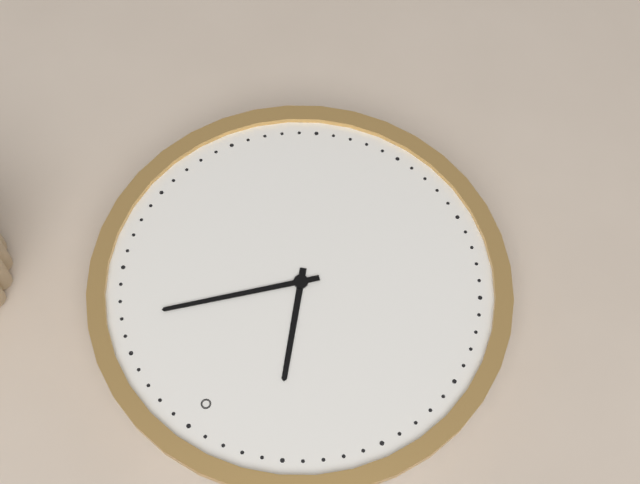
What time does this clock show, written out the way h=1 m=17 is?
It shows h=11 m=7
